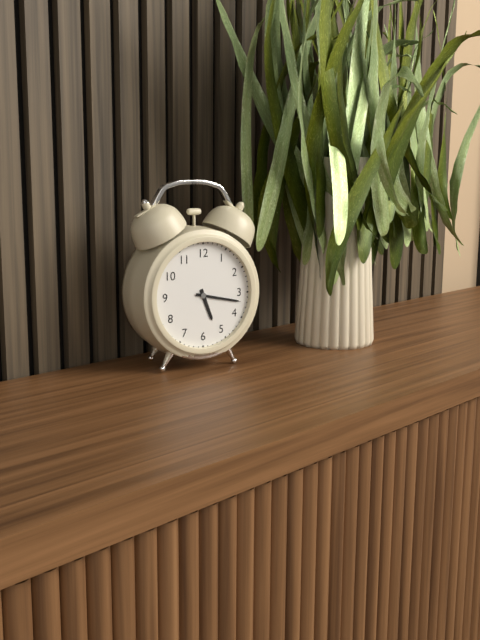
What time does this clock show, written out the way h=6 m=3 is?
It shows h=5 m=17
